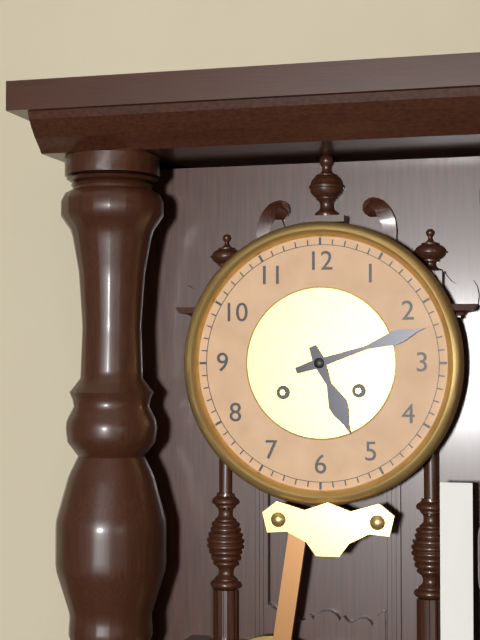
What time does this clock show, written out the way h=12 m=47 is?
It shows h=5 m=12
